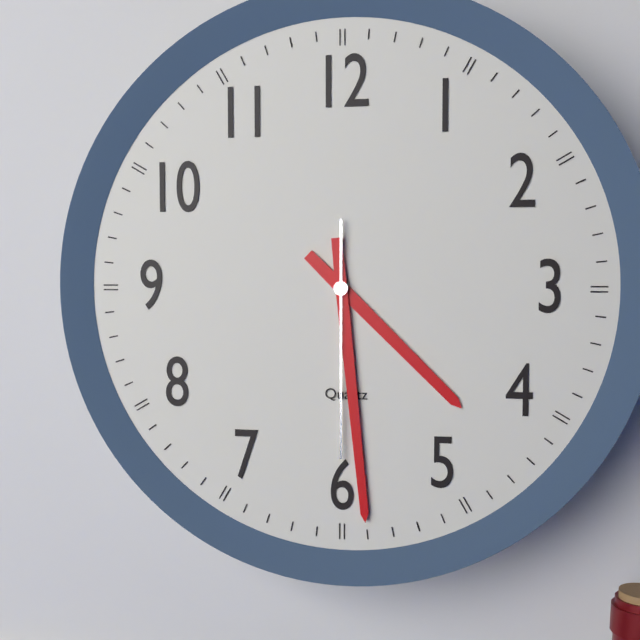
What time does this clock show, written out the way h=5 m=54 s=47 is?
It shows h=4 m=29 s=30
